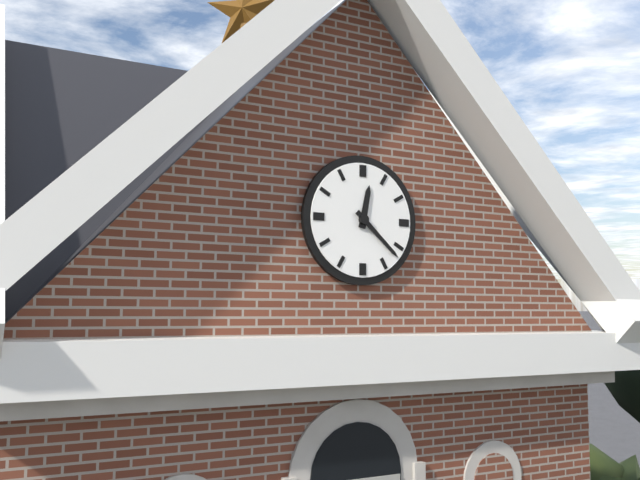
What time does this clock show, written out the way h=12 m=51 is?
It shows h=12 m=22
